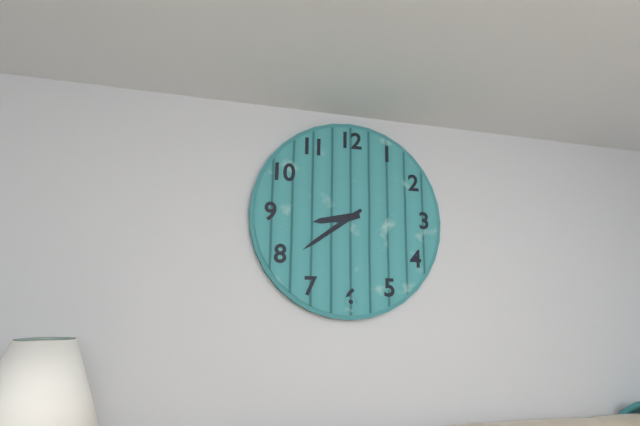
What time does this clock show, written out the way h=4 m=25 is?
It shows h=8 m=39
